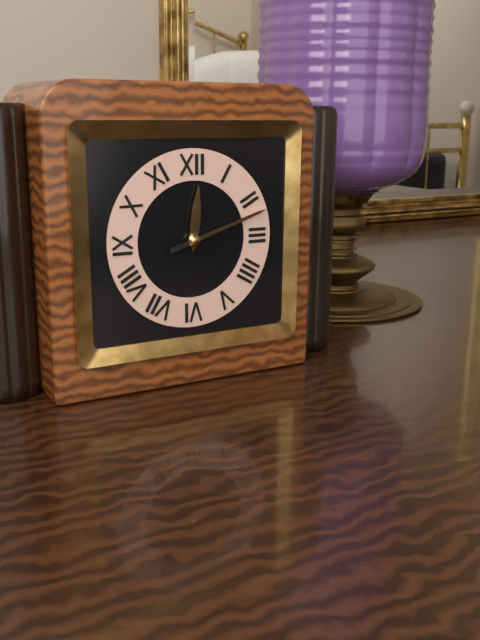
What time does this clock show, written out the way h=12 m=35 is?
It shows h=12 m=12
